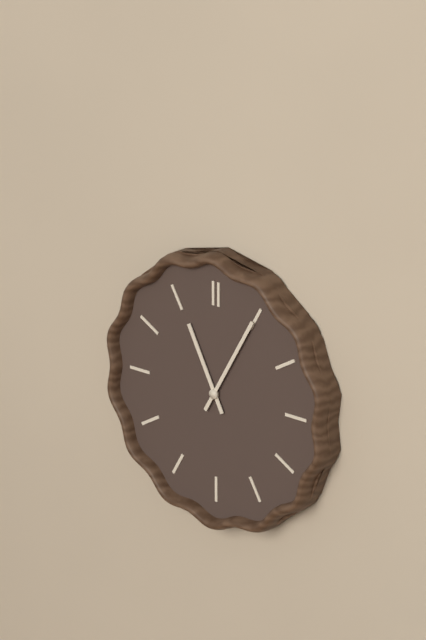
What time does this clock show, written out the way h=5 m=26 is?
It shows h=11 m=5
